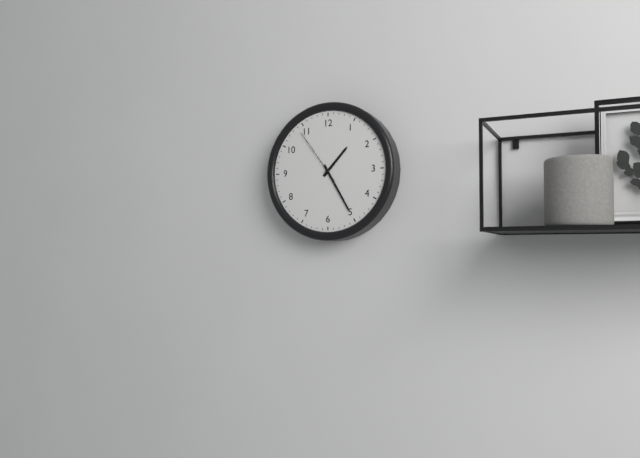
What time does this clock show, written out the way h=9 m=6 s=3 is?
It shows h=1 m=25 s=54
